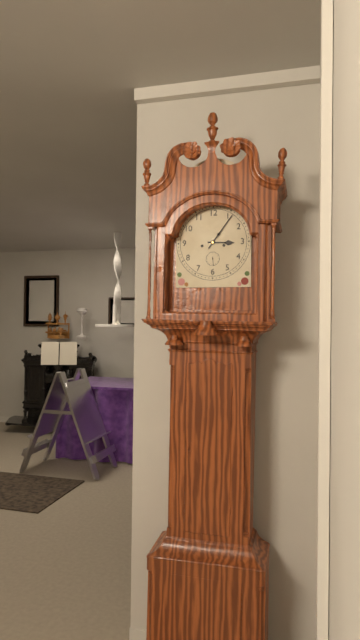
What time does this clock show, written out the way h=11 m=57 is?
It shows h=3 m=6
